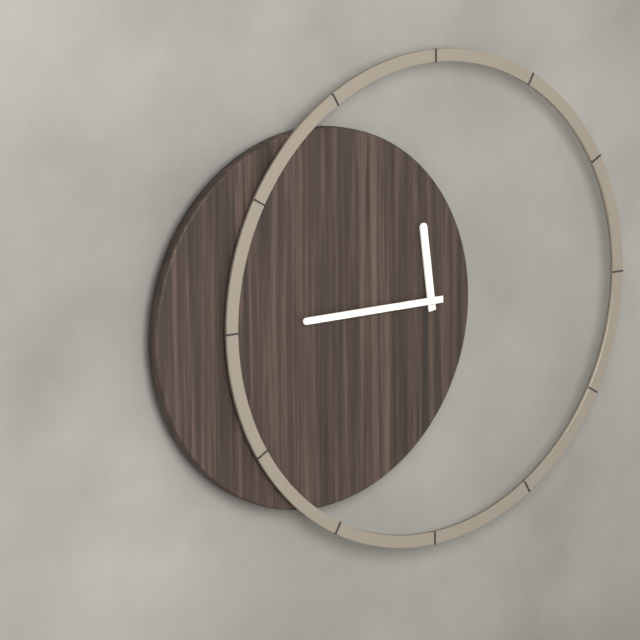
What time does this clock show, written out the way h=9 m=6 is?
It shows h=11 m=45
